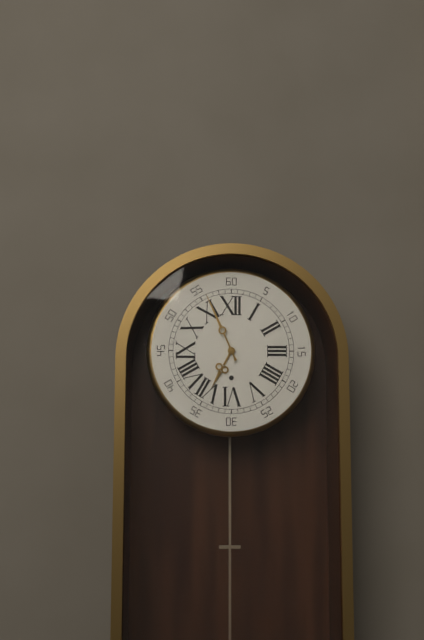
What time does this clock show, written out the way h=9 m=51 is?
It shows h=6 m=56
